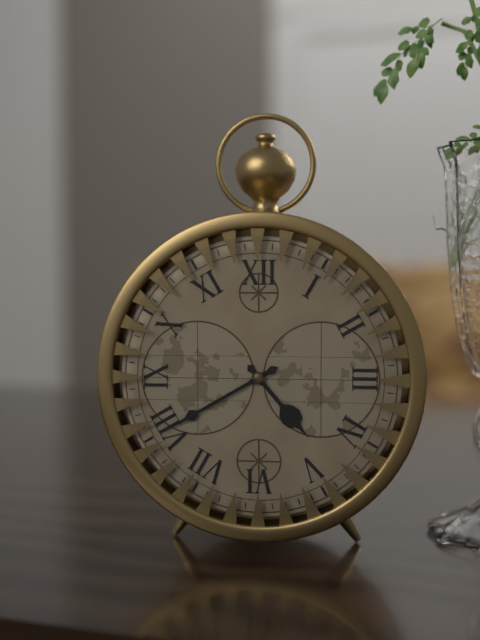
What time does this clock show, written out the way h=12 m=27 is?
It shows h=4 m=40
